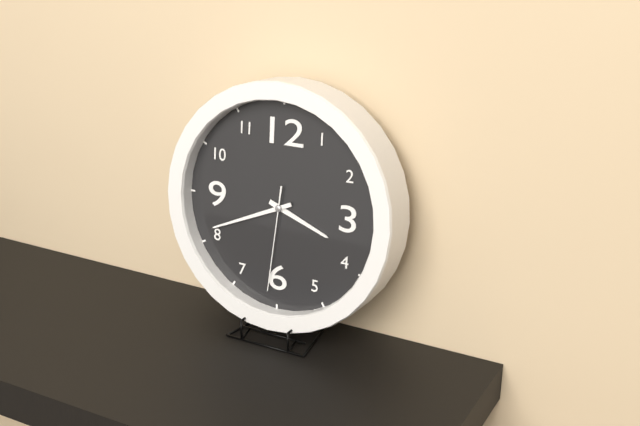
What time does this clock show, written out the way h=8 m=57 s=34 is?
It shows h=3 m=41 s=31
